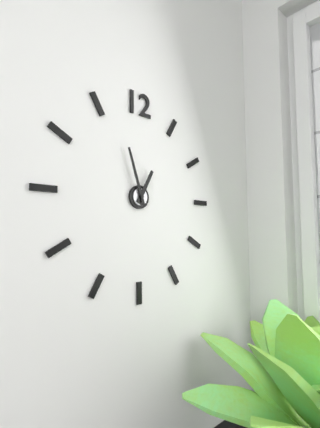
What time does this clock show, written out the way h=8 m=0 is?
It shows h=12 m=57
